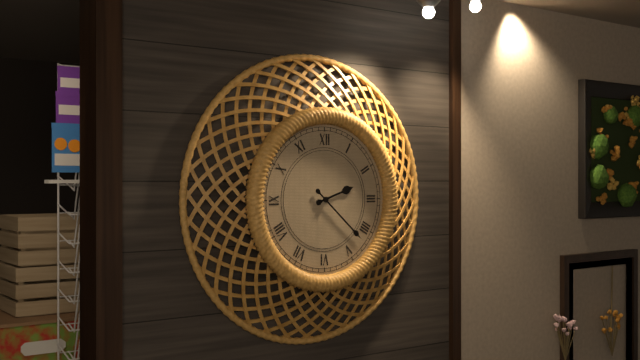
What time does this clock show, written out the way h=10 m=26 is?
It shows h=2 m=22
